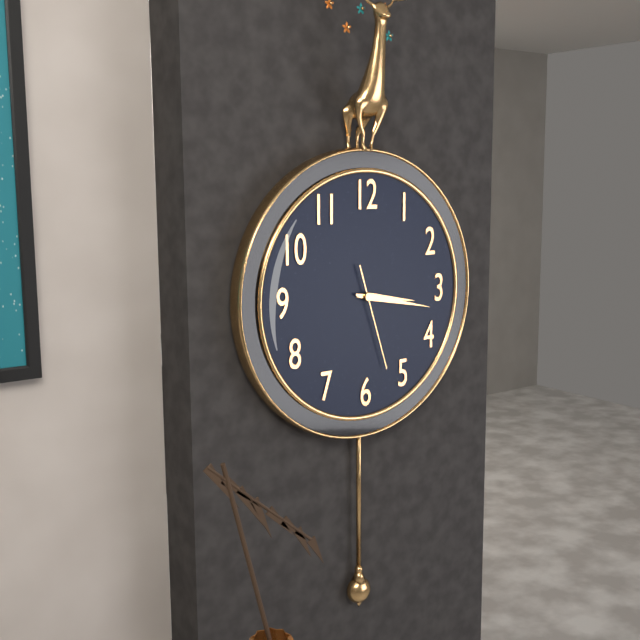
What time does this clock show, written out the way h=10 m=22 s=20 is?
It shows h=3 m=17 s=27
